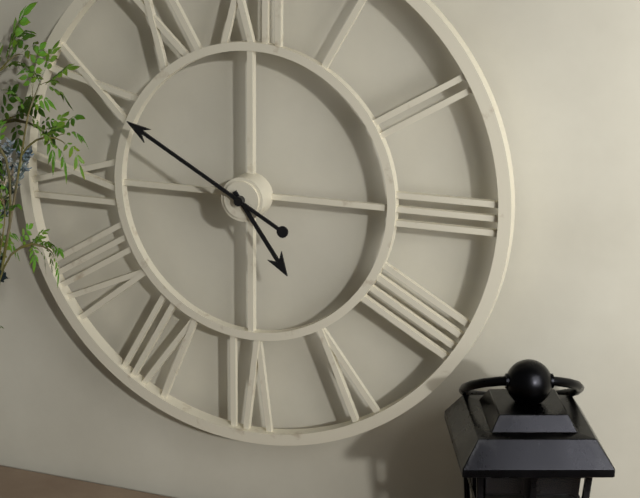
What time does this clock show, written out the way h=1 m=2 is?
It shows h=4 m=50
